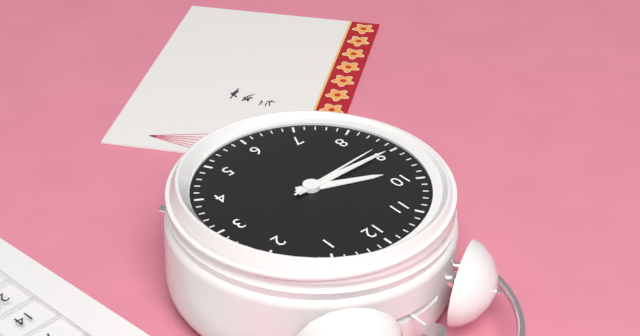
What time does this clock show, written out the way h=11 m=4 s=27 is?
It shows h=9 m=45 s=44
